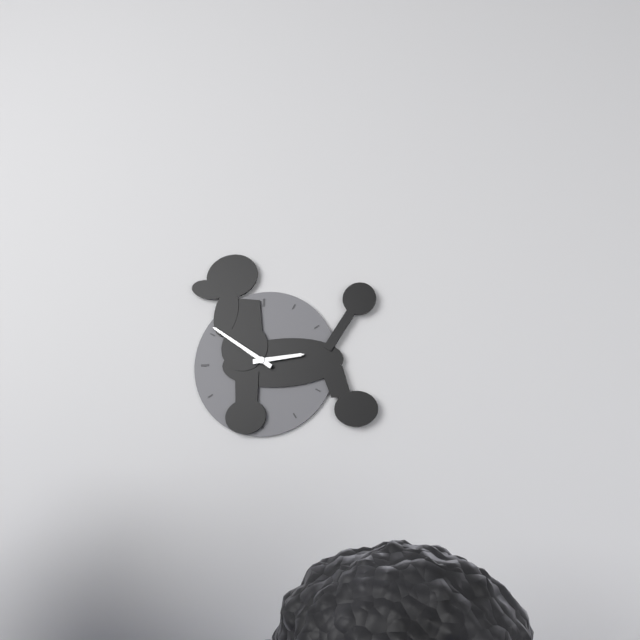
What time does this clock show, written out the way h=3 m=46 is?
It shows h=2 m=51
